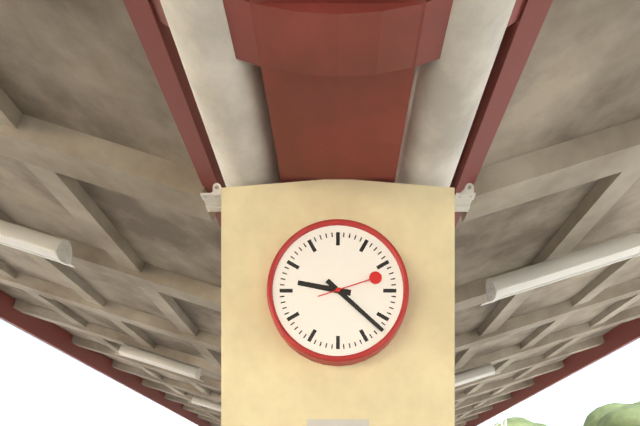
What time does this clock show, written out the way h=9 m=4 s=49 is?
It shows h=9 m=22 s=12
